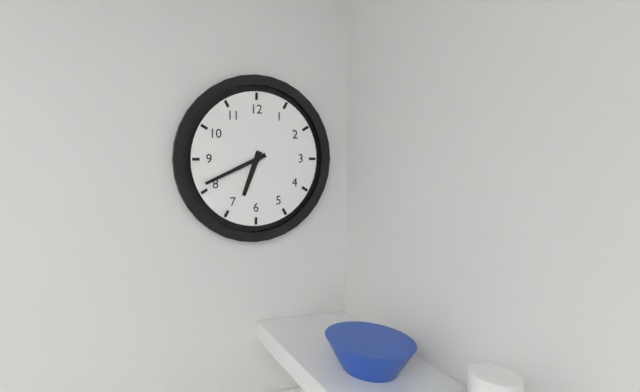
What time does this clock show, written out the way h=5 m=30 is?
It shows h=6 m=41
